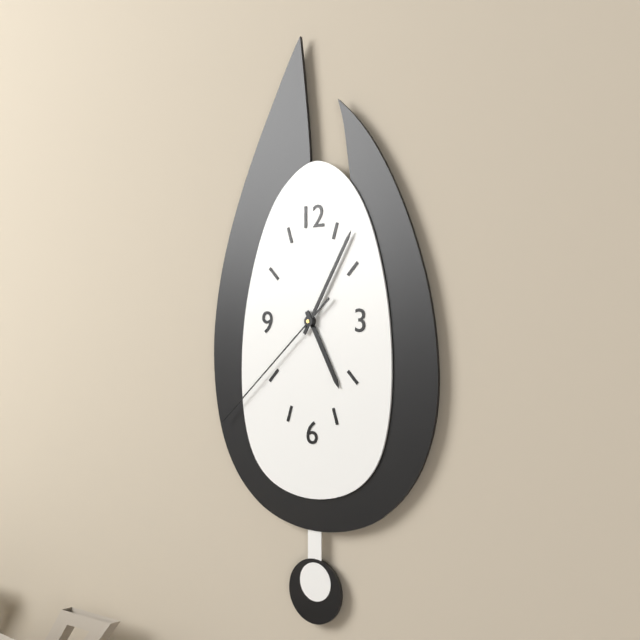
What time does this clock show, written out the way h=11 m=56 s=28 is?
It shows h=5 m=5 s=38
